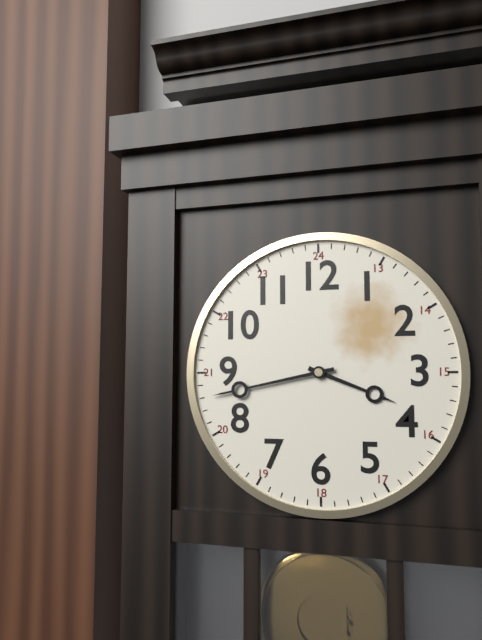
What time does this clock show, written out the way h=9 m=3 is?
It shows h=3 m=43
